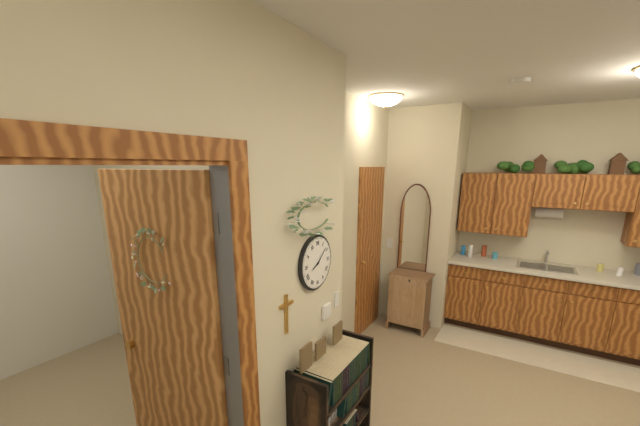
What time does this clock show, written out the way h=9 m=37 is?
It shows h=8 m=8
